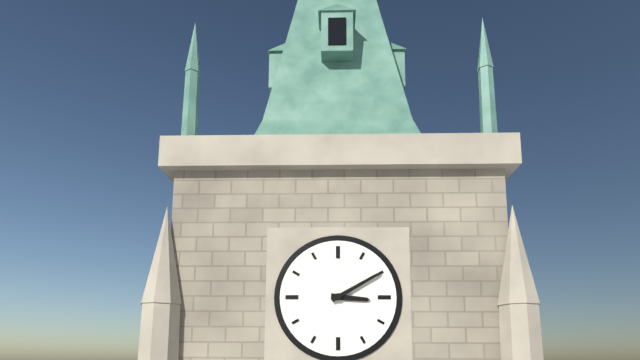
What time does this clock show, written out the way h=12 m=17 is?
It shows h=3 m=10
